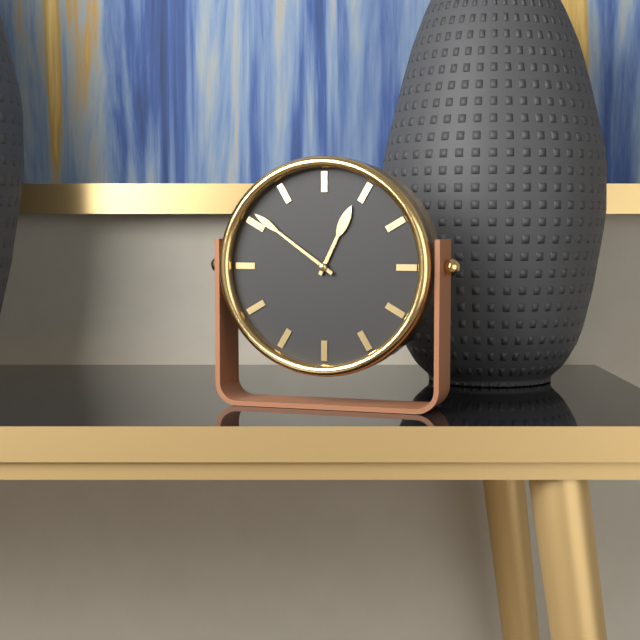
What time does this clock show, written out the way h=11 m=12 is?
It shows h=12 m=51
